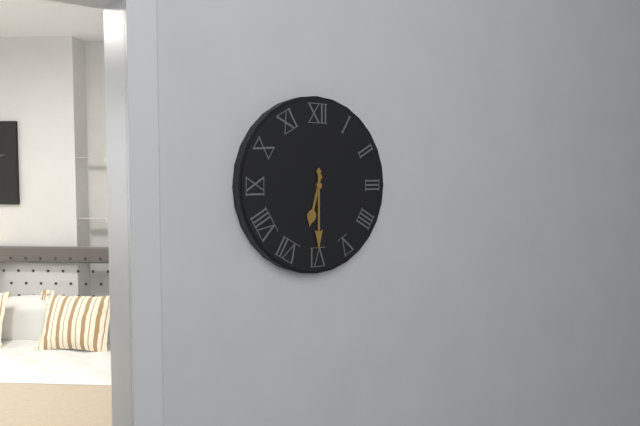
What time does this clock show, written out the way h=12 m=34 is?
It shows h=6 m=30
